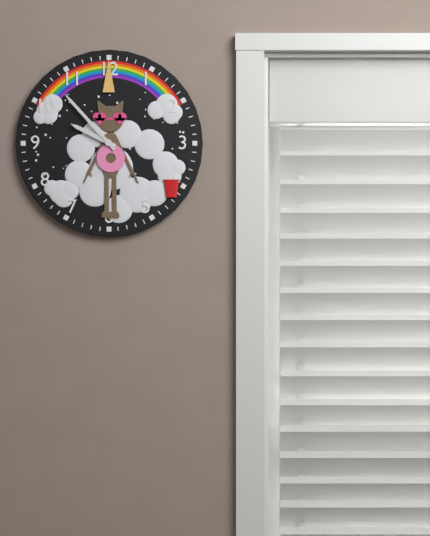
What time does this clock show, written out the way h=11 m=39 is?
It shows h=9 m=53
